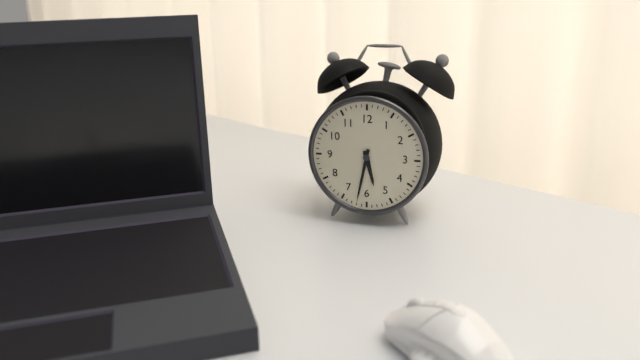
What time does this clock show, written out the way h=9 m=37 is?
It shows h=5 m=32
